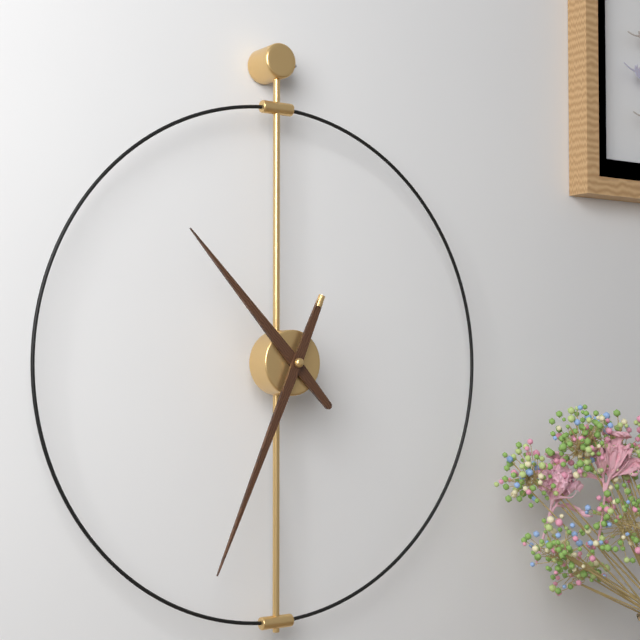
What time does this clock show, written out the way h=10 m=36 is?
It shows h=10 m=34
